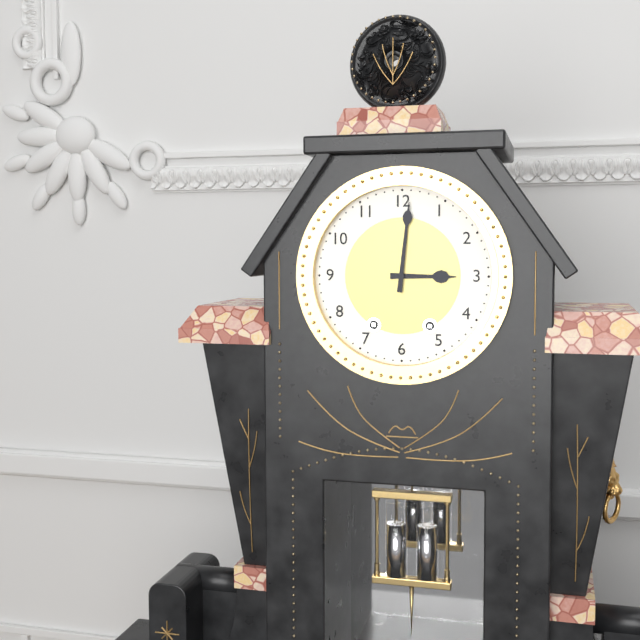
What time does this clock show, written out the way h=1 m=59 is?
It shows h=3 m=1
